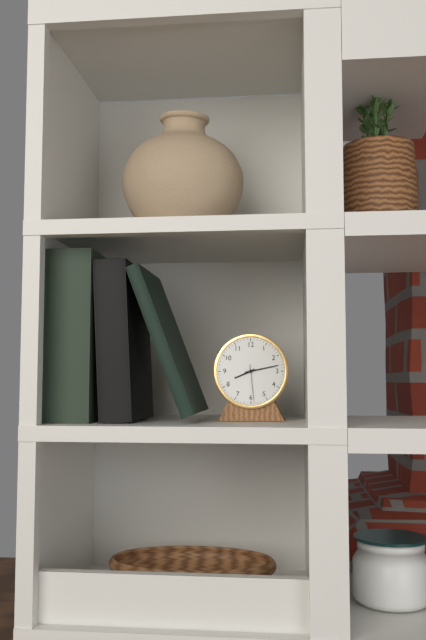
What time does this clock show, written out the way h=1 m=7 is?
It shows h=8 m=13
